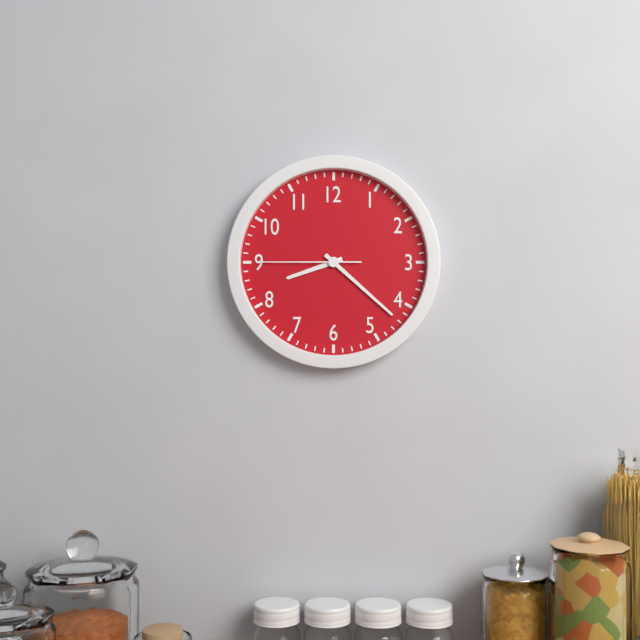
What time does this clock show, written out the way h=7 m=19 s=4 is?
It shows h=8 m=22 s=45
